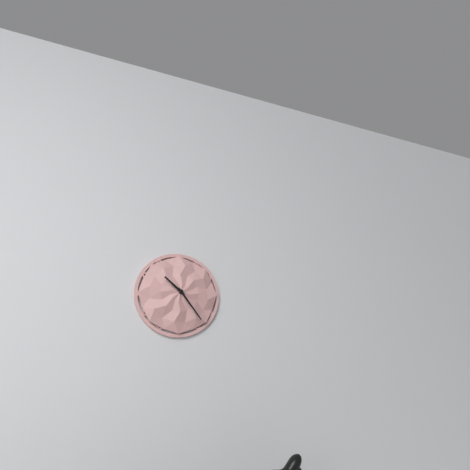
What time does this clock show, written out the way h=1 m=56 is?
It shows h=10 m=24
